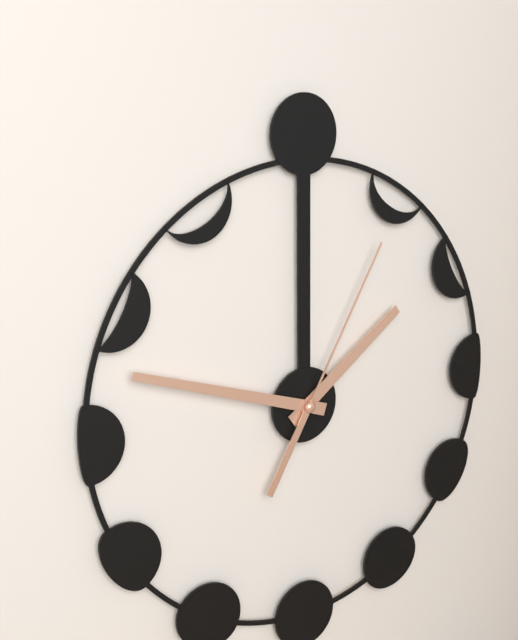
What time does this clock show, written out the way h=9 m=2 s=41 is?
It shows h=1 m=48 s=5
